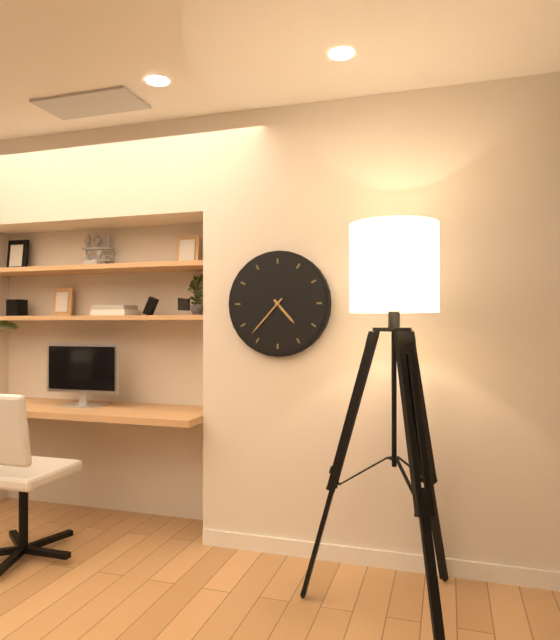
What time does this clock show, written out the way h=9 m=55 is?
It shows h=4 m=37
